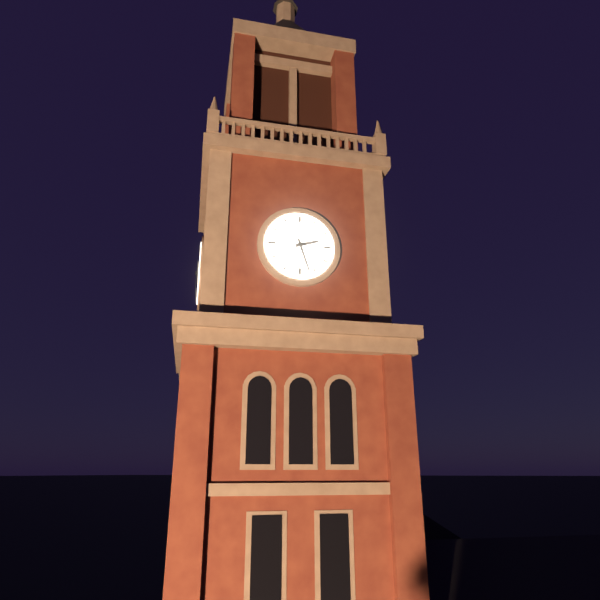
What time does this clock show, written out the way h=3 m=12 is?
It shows h=2 m=27
